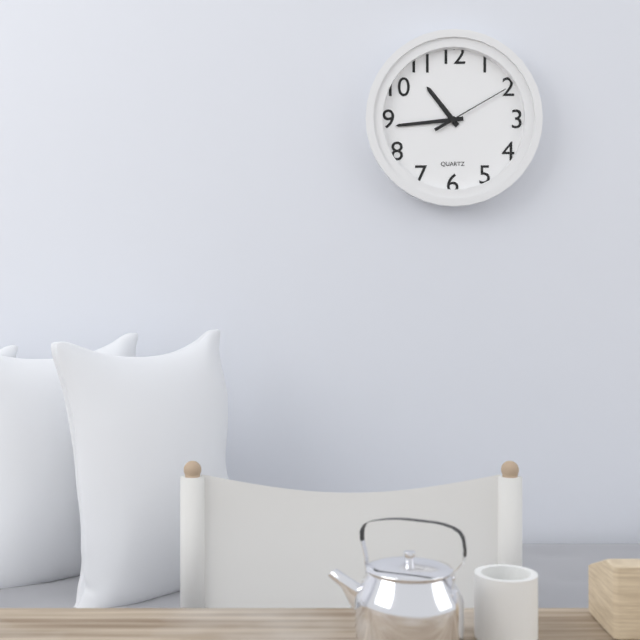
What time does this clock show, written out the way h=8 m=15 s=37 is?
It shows h=10 m=44 s=10
